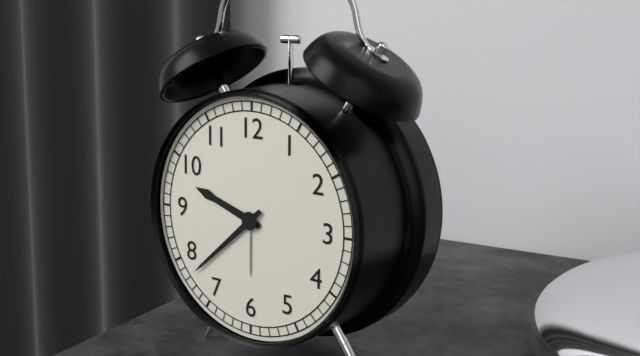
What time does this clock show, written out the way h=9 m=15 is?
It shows h=9 m=38
